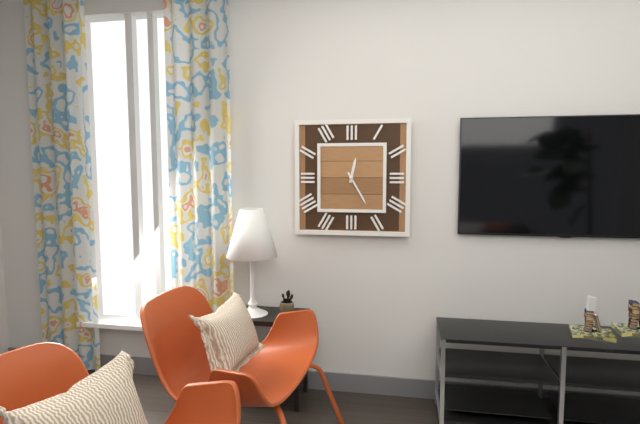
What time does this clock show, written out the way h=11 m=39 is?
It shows h=12 m=25
